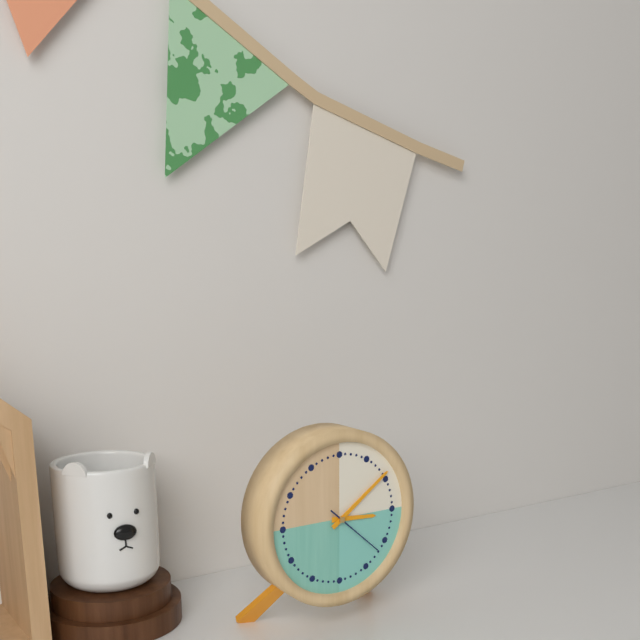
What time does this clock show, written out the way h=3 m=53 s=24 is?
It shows h=3 m=9 s=22
